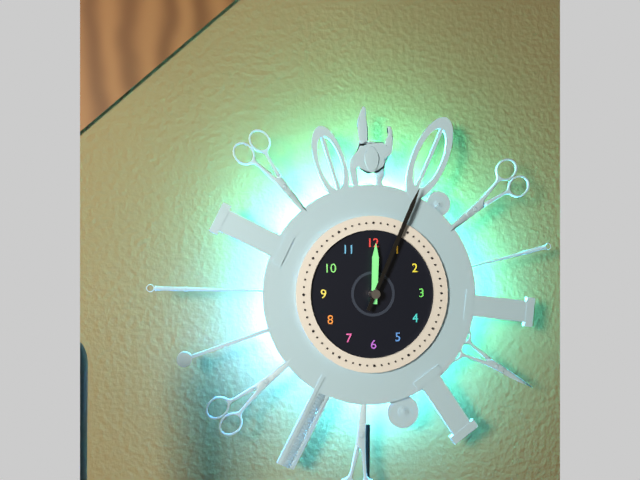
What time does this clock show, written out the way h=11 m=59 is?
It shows h=12 m=4
